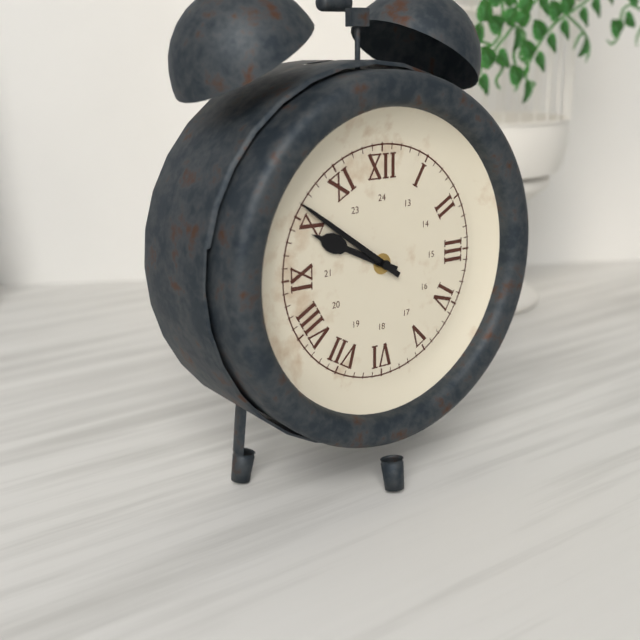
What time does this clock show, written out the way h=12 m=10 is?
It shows h=9 m=51
